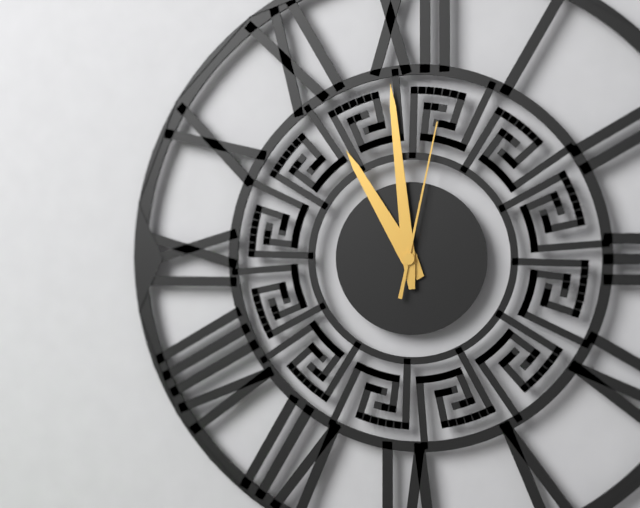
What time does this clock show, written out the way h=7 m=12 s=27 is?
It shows h=10 m=59 s=2
